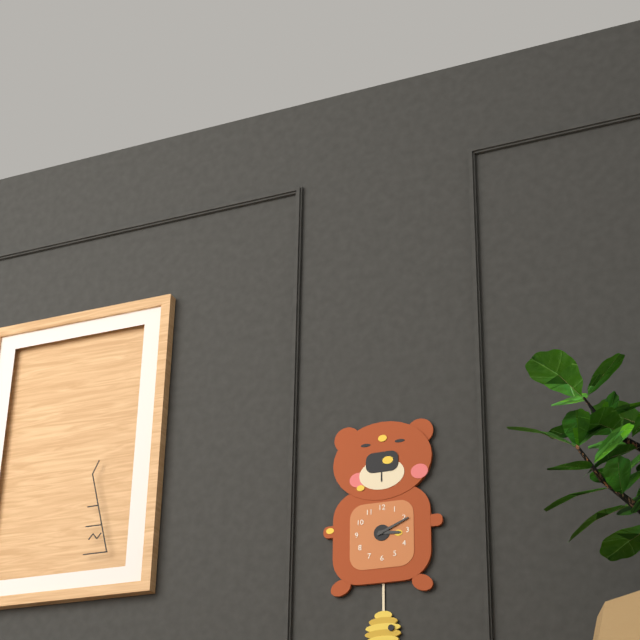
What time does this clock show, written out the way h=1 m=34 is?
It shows h=3 m=11
